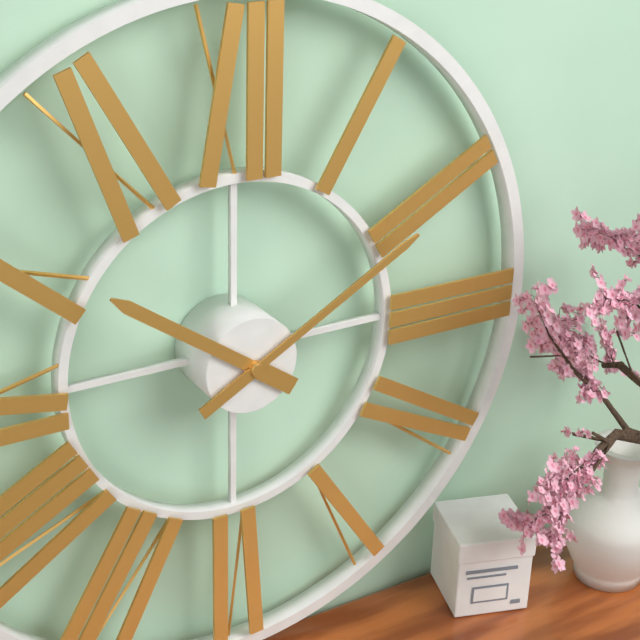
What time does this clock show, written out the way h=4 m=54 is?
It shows h=10 m=10
